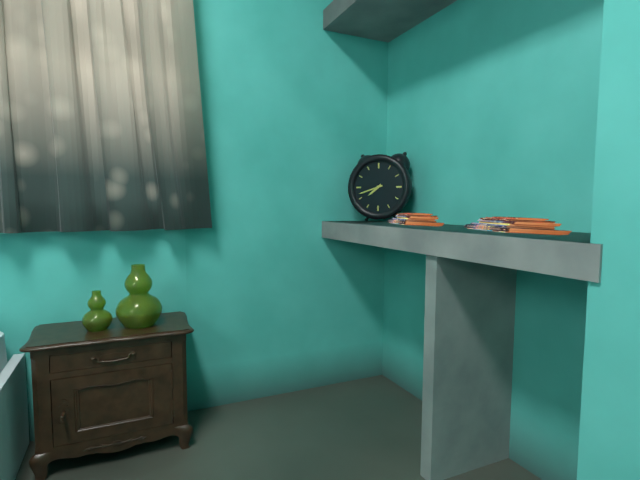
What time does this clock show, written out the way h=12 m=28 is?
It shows h=7 m=42
